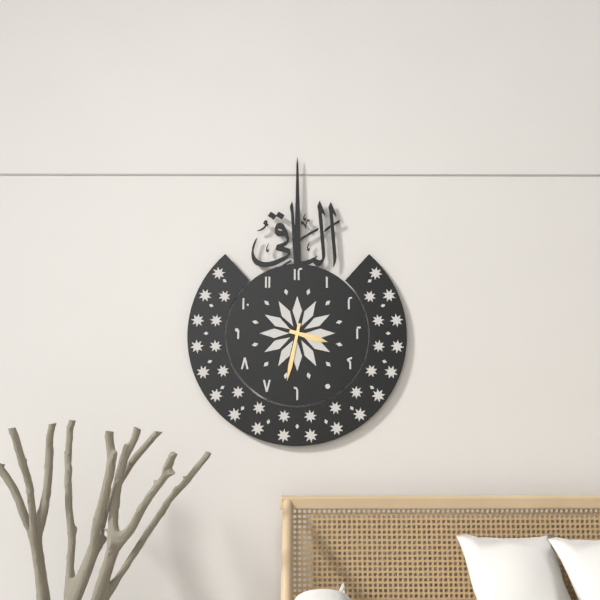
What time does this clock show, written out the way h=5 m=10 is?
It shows h=3 m=32
